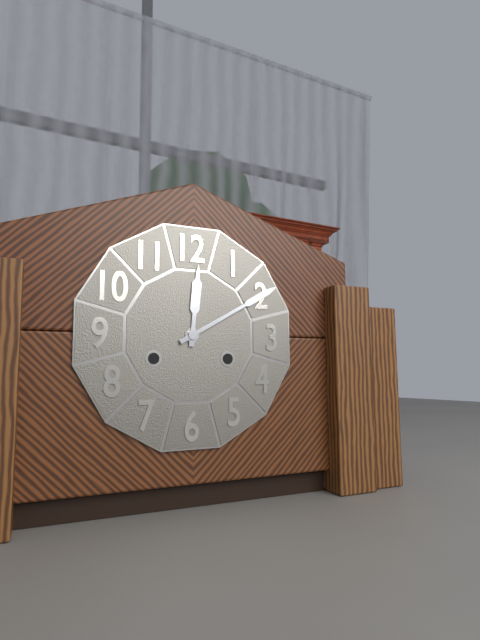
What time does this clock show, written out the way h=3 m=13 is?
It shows h=12 m=10
